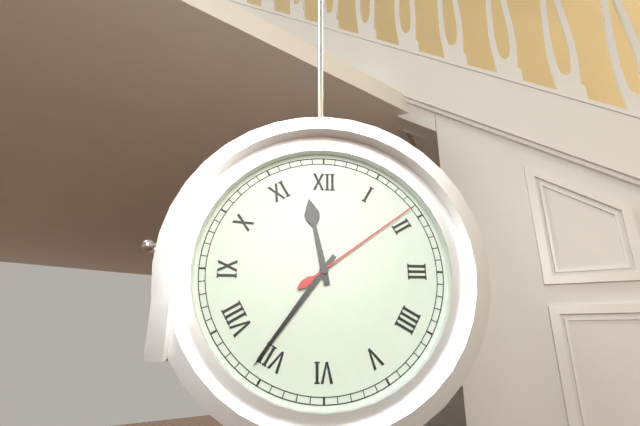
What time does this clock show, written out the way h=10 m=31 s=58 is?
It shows h=11 m=36 s=9
